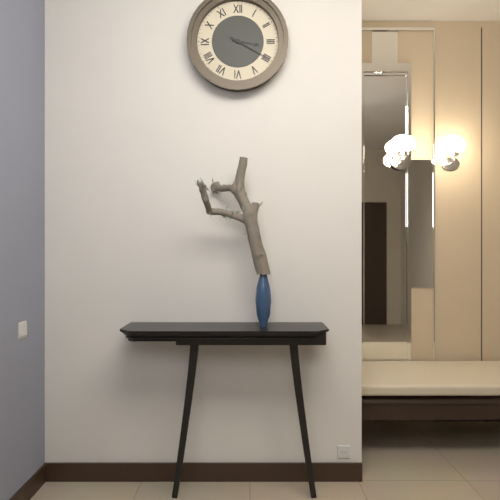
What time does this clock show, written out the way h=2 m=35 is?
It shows h=3 m=20
